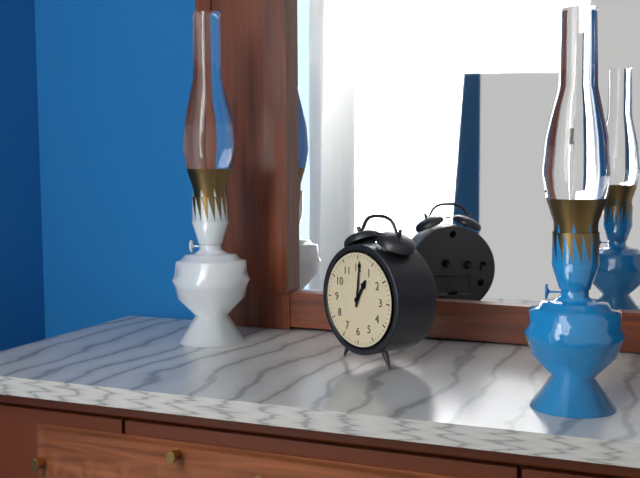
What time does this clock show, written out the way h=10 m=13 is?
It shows h=1 m=1
